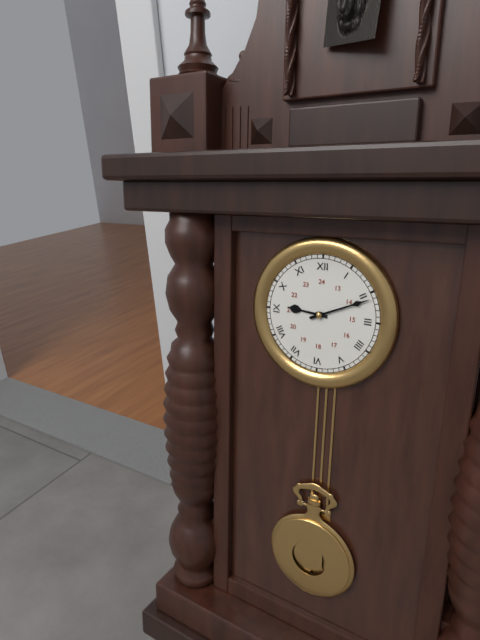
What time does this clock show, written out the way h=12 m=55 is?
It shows h=9 m=11
